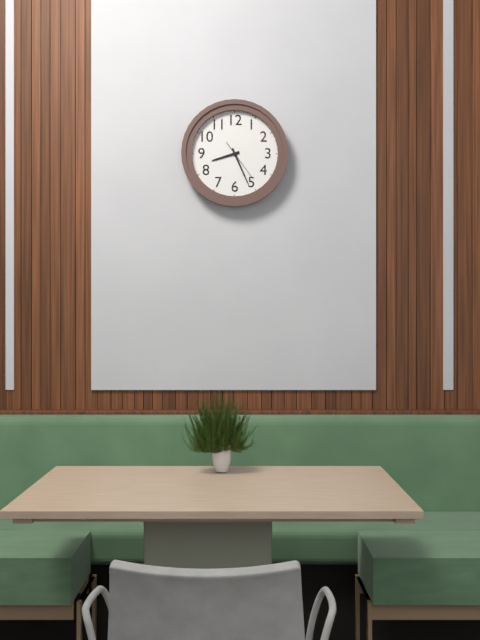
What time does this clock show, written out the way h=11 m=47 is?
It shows h=8 m=26
